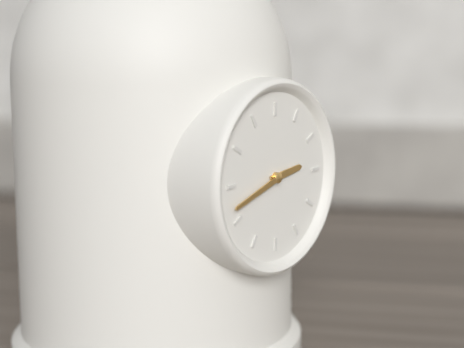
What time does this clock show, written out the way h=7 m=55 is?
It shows h=2 m=42
